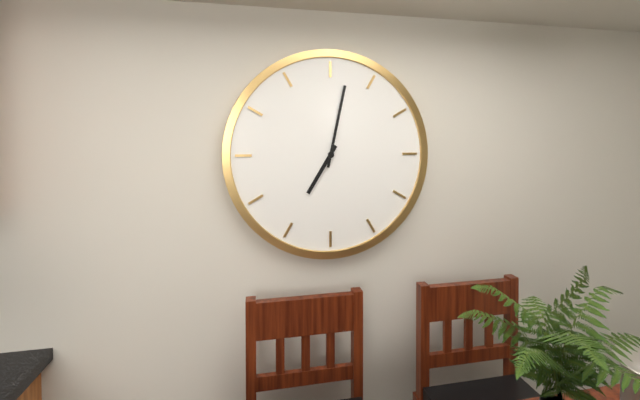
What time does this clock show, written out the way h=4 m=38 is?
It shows h=7 m=2
